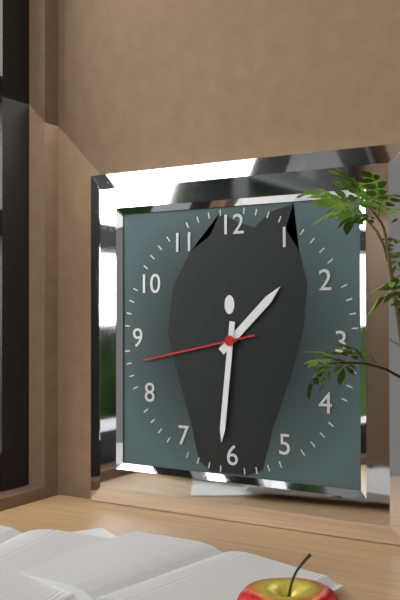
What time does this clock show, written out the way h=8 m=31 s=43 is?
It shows h=1 m=31 s=43
